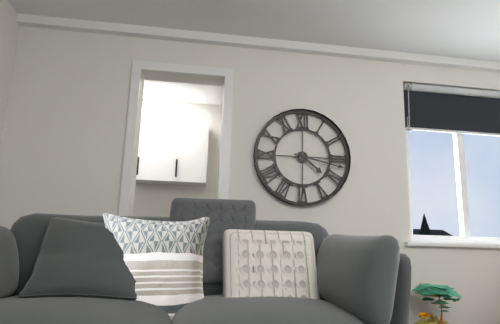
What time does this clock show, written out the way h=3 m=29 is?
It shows h=4 m=17
